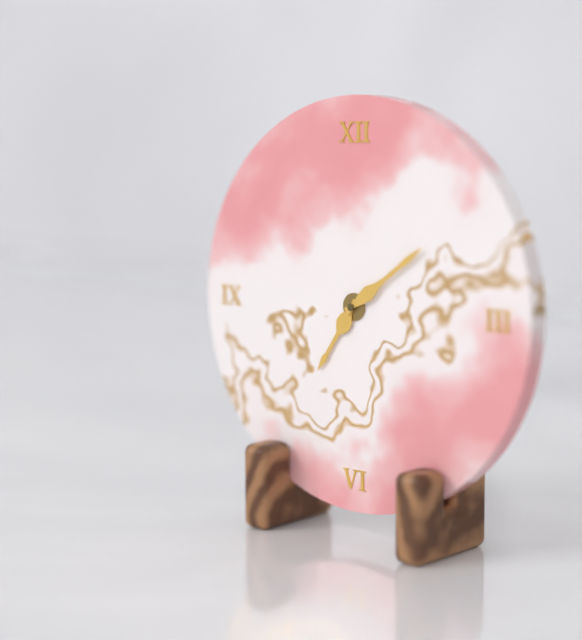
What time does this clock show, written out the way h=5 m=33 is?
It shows h=7 m=9
